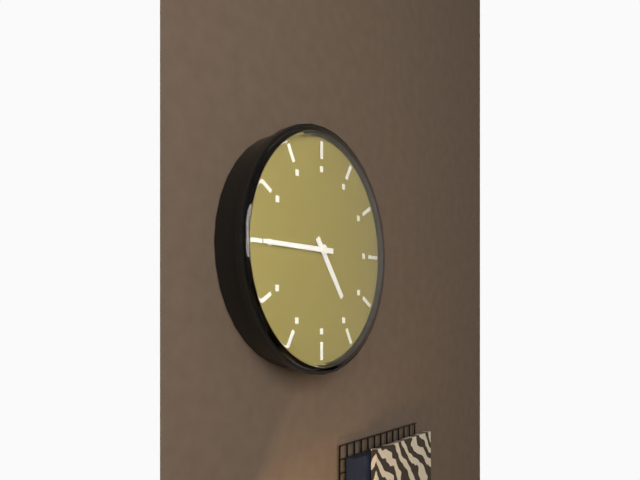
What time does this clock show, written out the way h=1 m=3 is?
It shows h=4 m=45
